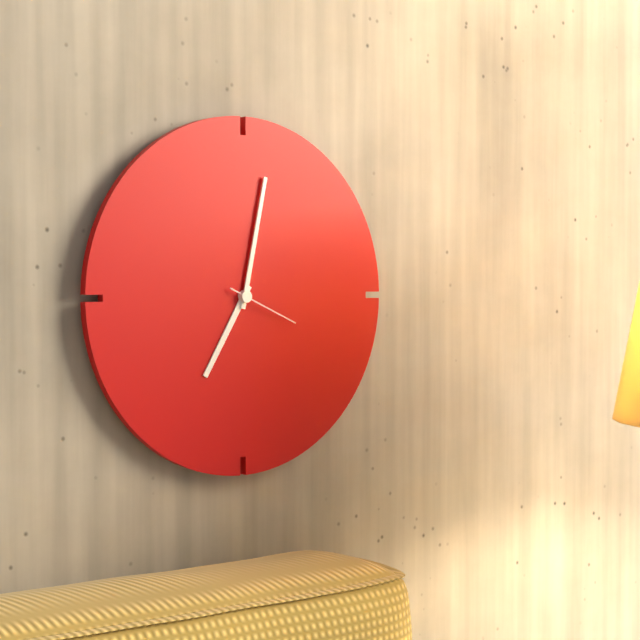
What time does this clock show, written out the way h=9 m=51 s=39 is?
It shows h=7 m=2 s=19
